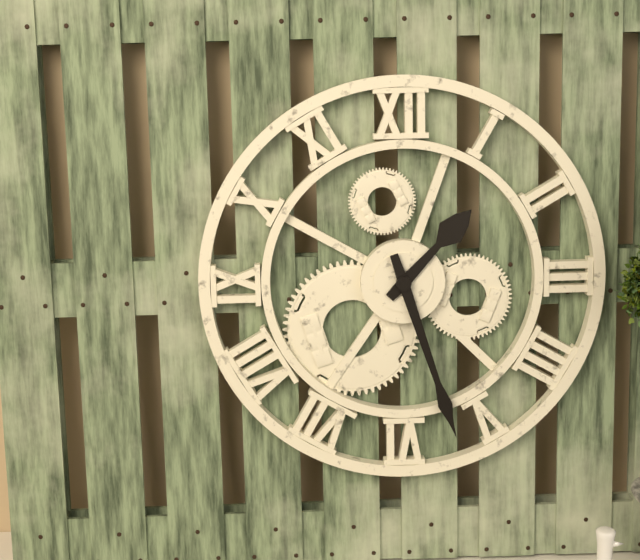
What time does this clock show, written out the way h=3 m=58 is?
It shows h=1 m=27
